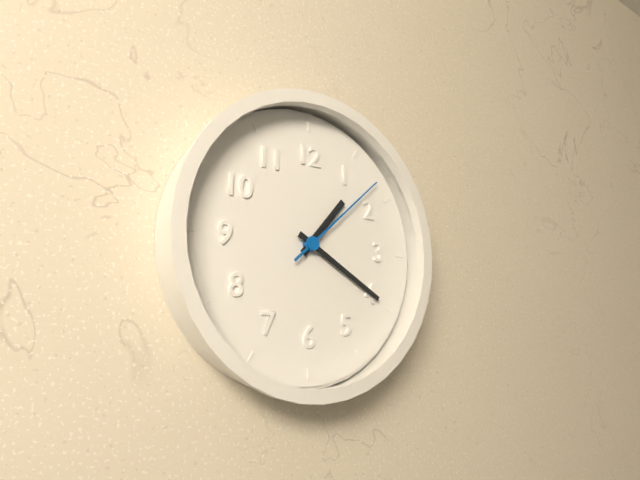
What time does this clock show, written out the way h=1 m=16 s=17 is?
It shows h=1 m=20 s=8
